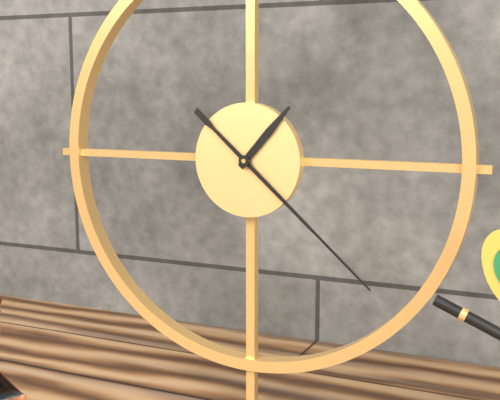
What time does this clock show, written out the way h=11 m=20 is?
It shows h=1 m=22
